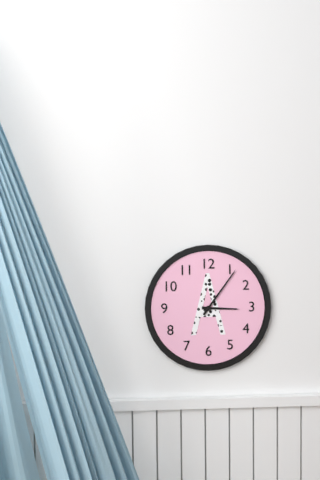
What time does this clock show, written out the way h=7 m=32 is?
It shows h=3 m=6
